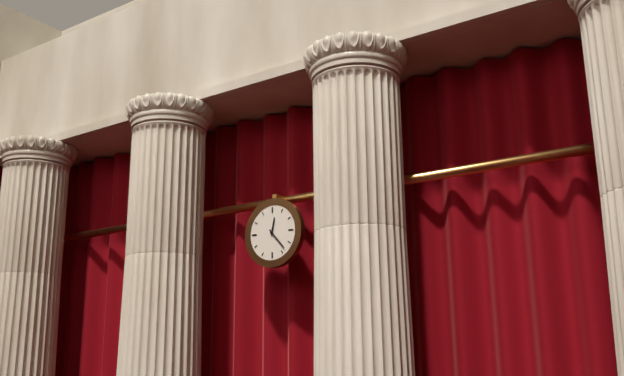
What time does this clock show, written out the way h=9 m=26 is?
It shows h=12 m=23
